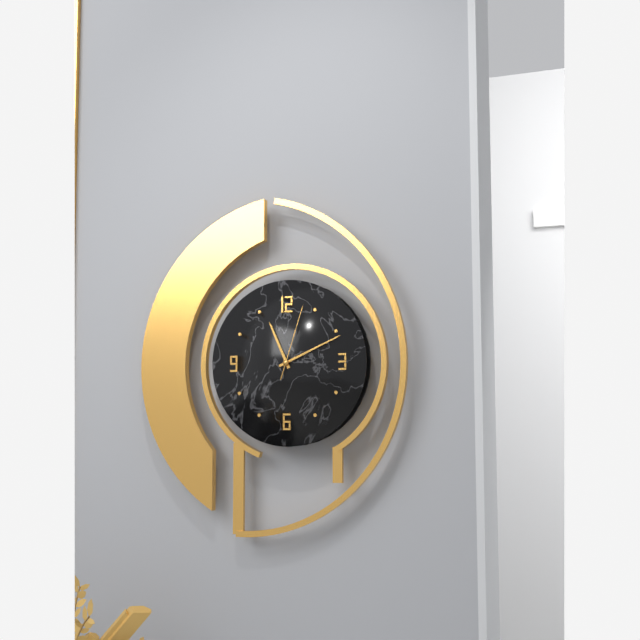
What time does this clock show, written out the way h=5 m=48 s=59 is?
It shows h=11 m=11 s=3
